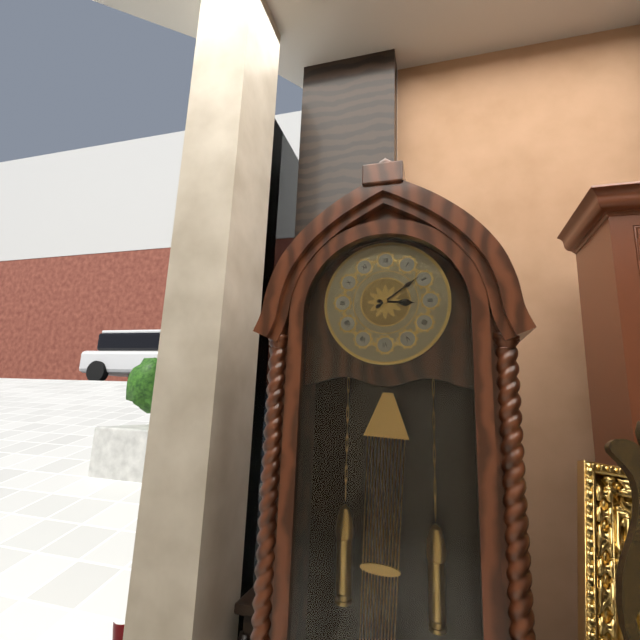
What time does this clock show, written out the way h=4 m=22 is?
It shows h=3 m=9
